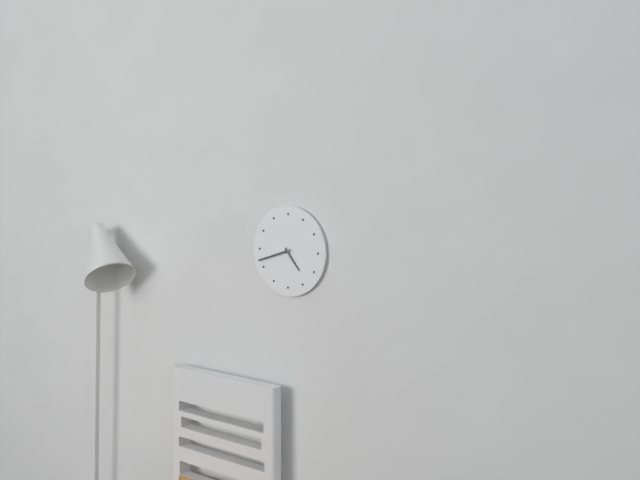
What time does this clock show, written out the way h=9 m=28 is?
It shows h=4 m=42
